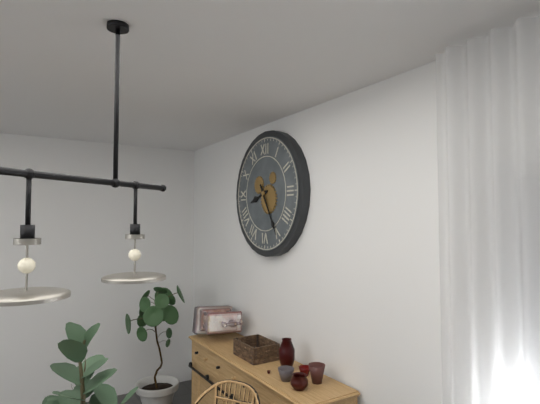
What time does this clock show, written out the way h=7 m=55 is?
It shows h=8 m=25
